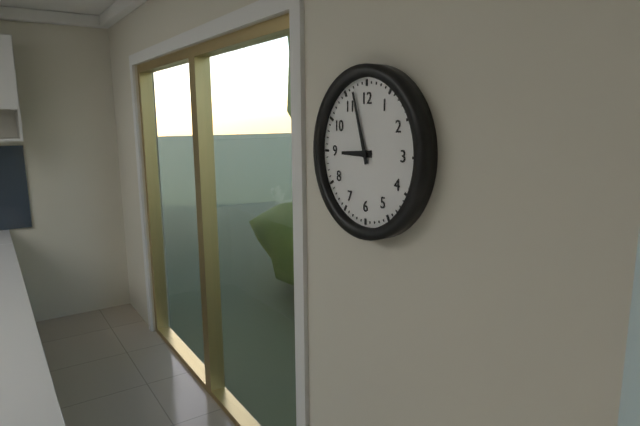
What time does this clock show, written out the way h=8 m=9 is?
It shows h=8 m=57
